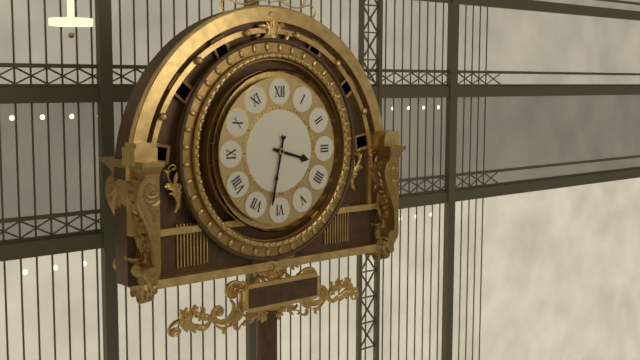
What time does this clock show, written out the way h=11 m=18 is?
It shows h=3 m=32
